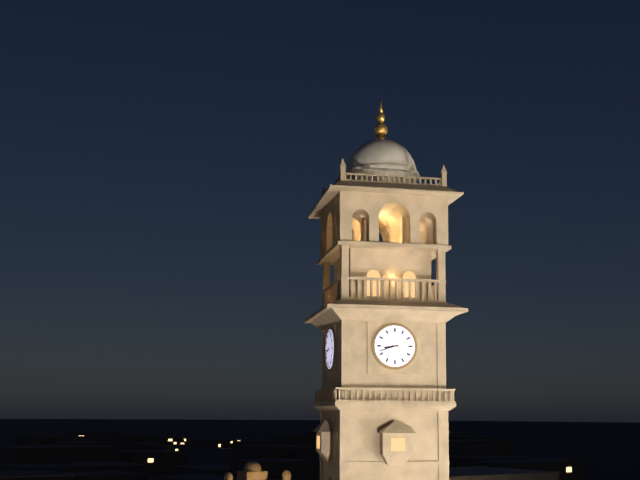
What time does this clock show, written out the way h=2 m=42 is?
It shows h=8 m=42
